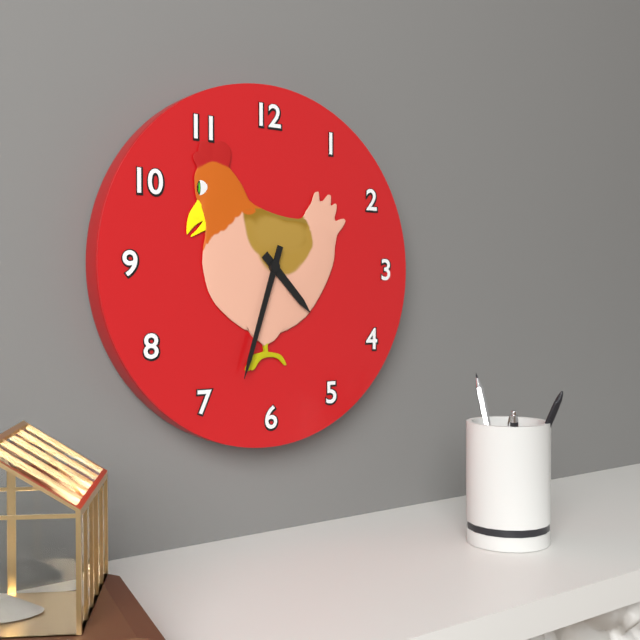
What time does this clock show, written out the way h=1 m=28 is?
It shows h=4 m=33
